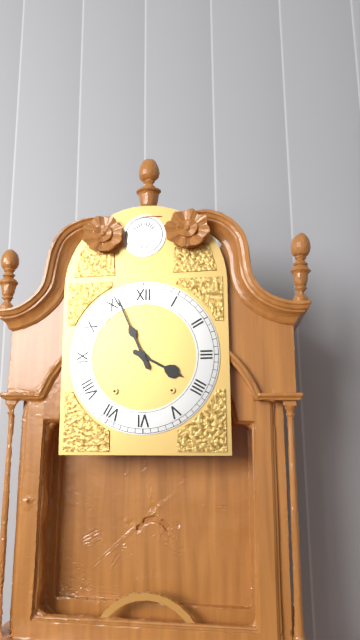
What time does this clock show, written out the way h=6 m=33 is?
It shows h=3 m=56
